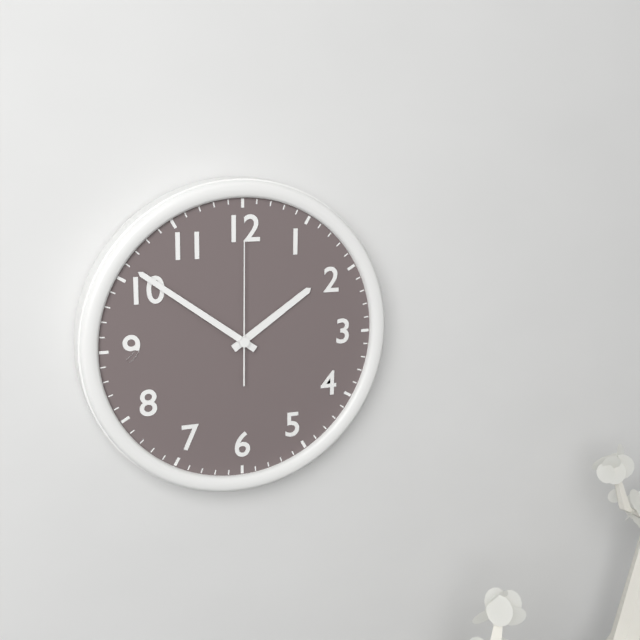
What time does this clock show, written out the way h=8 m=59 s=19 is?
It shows h=1 m=51 s=0
